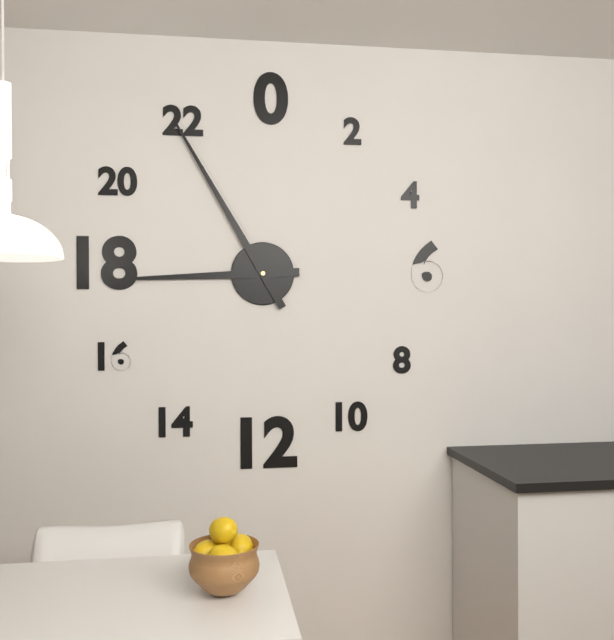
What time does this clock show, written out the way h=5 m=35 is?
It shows h=8 m=55
